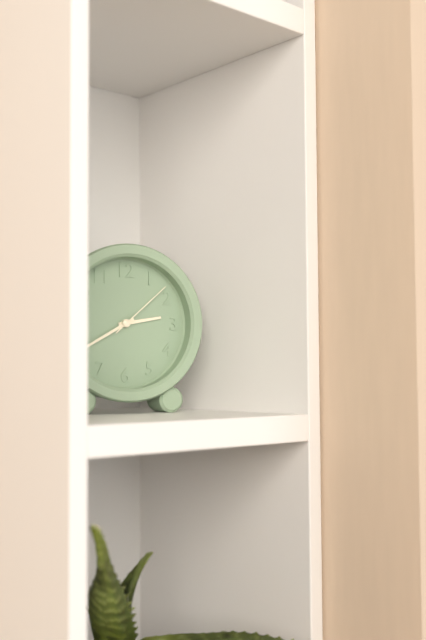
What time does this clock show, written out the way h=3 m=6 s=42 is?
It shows h=2 m=40 s=8
